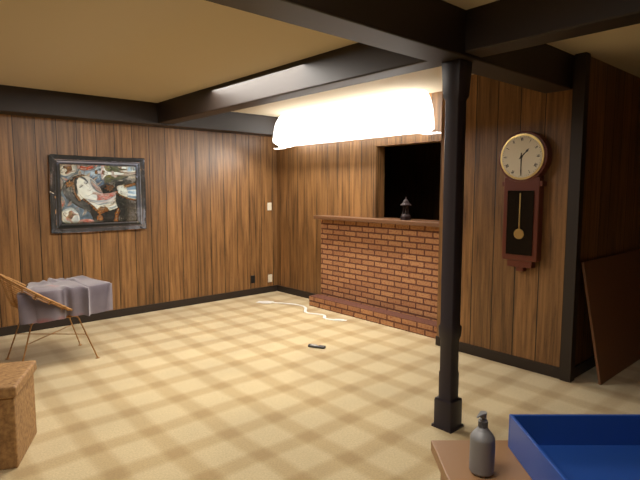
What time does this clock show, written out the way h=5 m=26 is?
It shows h=1 m=30
